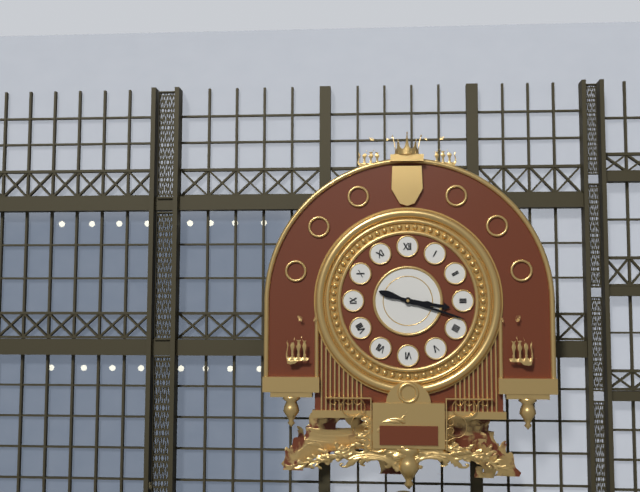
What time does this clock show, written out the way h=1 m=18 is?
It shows h=3 m=18
